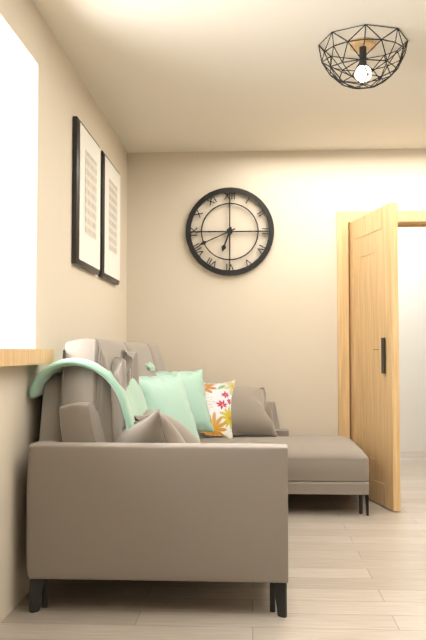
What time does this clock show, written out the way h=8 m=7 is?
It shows h=6 m=41
